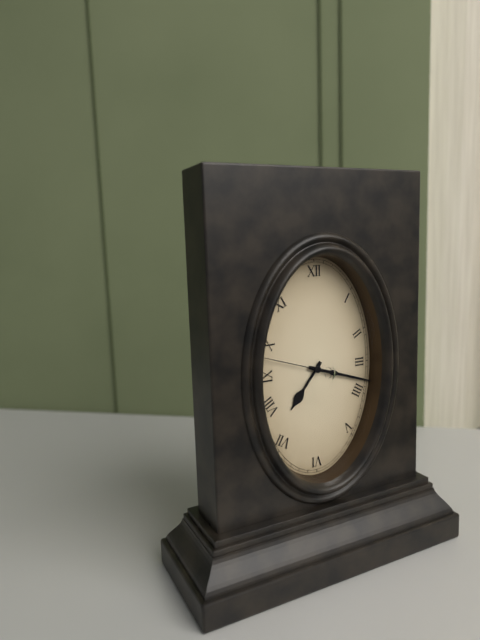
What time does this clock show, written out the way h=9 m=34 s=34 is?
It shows h=7 m=18 s=48
